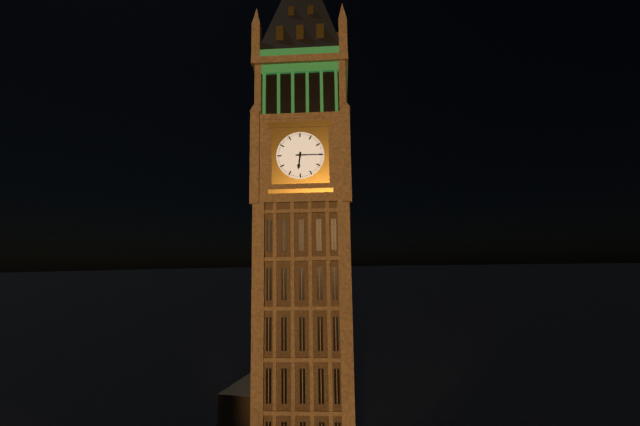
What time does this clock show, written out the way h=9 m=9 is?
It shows h=6 m=15
